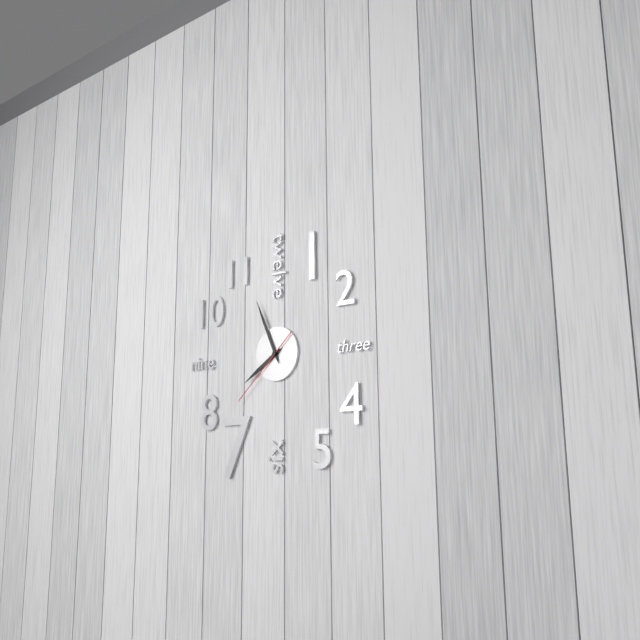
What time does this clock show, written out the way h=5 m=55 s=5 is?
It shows h=7 m=56 s=38
